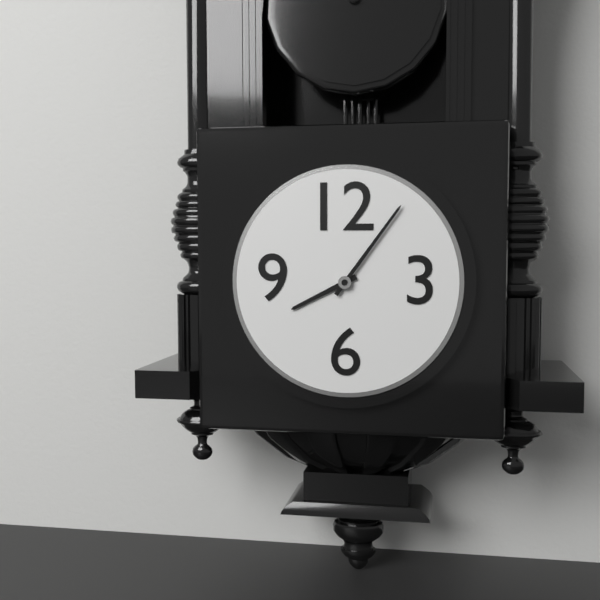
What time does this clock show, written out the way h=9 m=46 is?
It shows h=8 m=6
